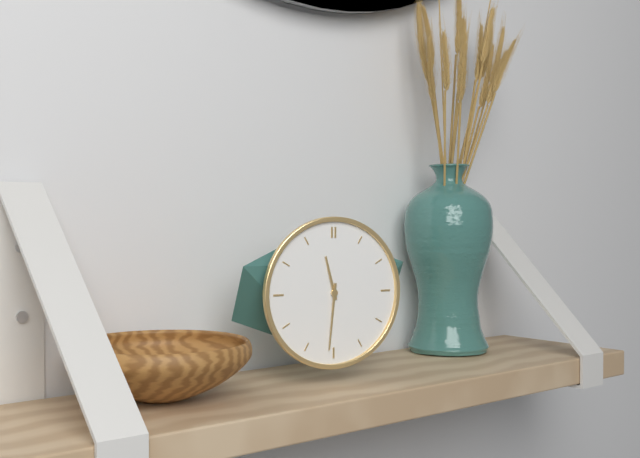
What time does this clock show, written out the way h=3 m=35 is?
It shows h=11 m=31
